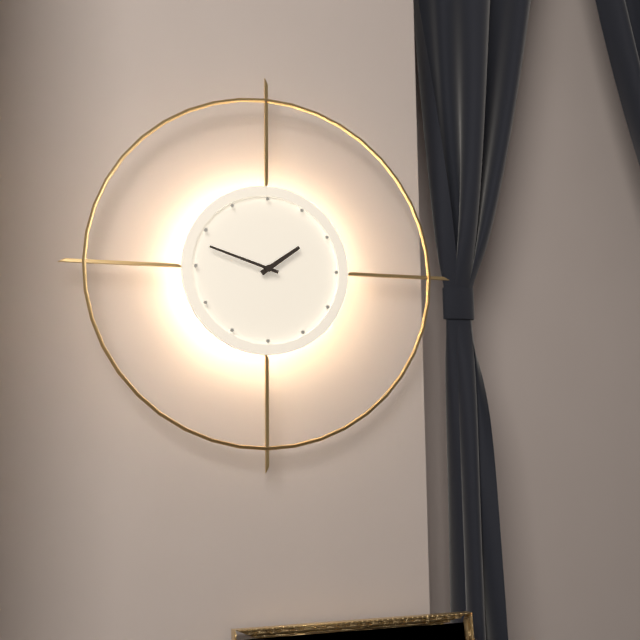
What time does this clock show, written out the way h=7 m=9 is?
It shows h=1 m=48
